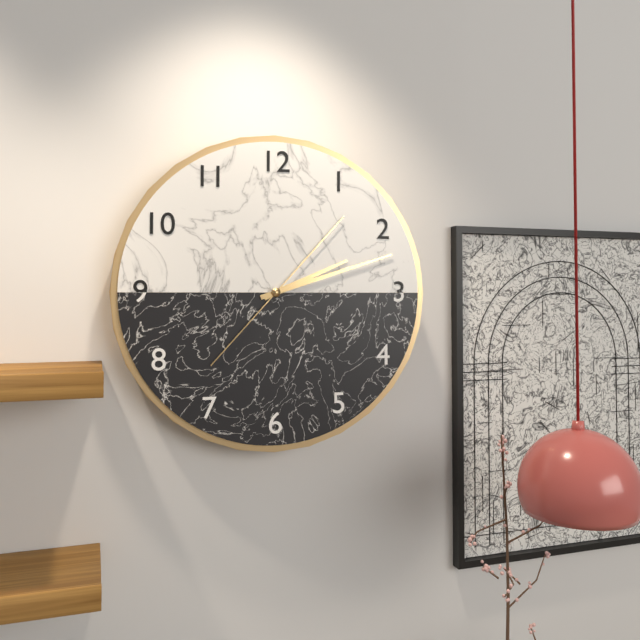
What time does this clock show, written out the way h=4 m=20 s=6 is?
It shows h=2 m=12 s=7
